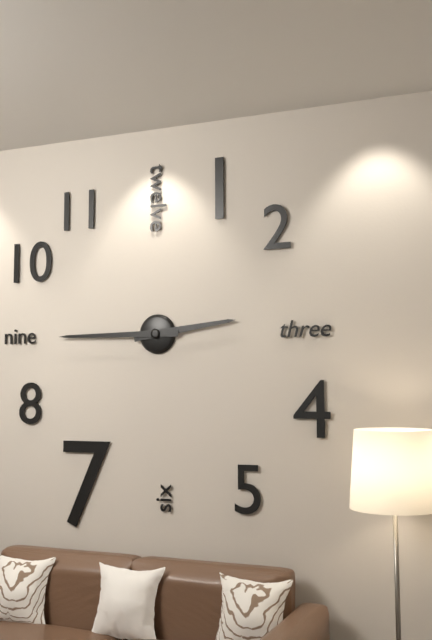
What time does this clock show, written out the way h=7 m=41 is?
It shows h=2 m=45
